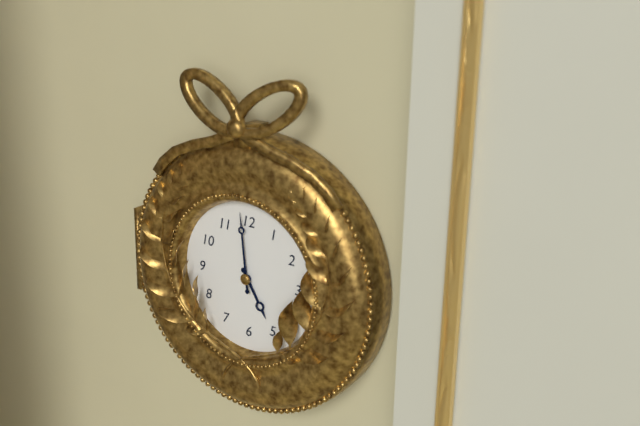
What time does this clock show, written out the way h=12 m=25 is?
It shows h=4 m=59
